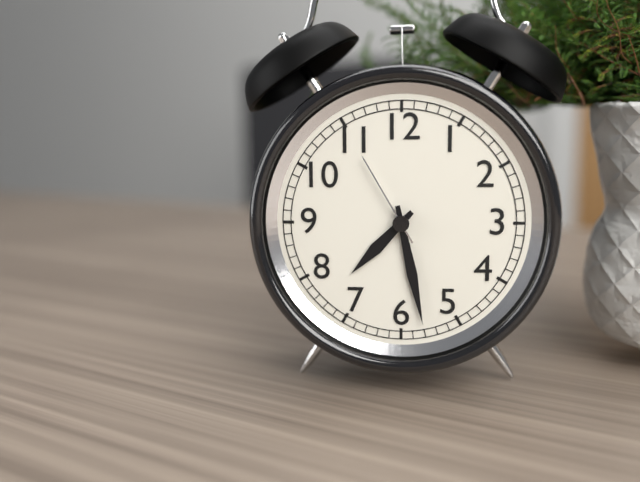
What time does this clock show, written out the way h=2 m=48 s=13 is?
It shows h=7 m=28 s=55
